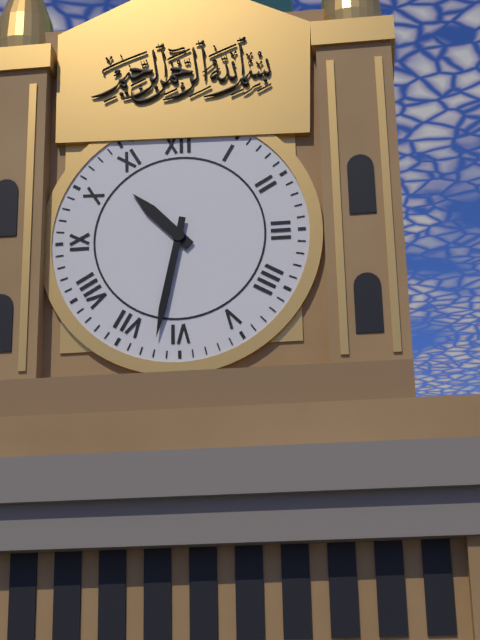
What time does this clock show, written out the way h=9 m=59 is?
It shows h=10 m=32
